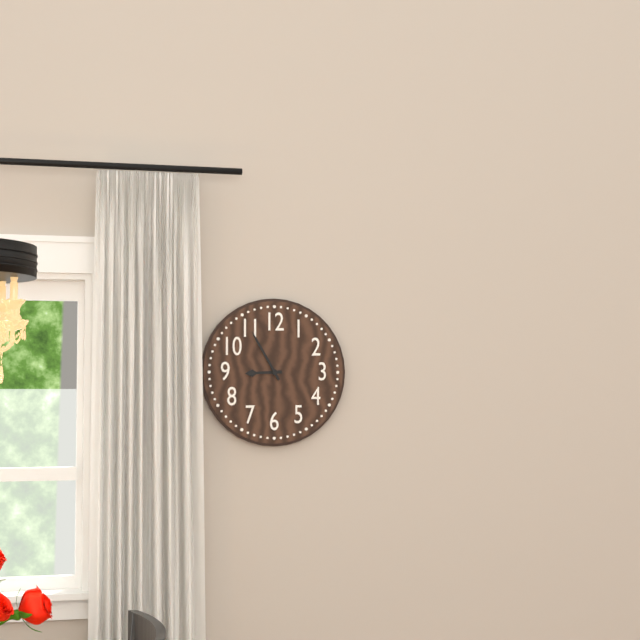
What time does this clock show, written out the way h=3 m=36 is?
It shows h=8 m=55
